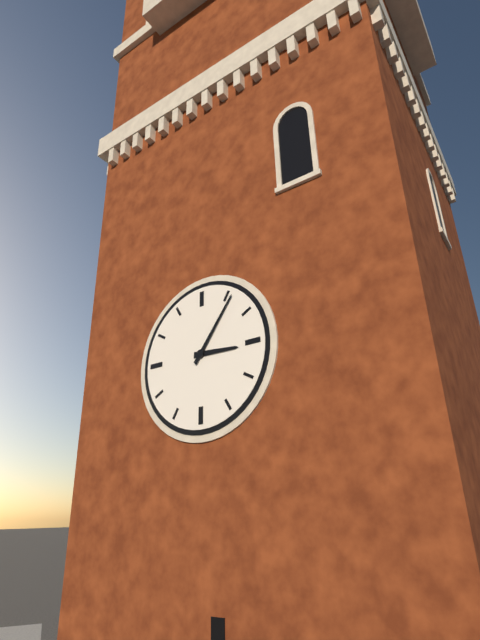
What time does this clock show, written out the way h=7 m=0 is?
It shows h=3 m=6
